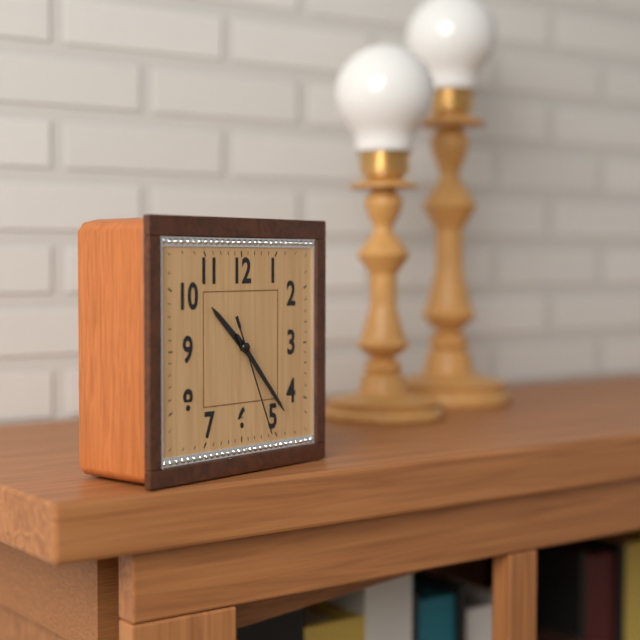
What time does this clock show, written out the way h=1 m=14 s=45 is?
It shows h=10 m=23 s=26
